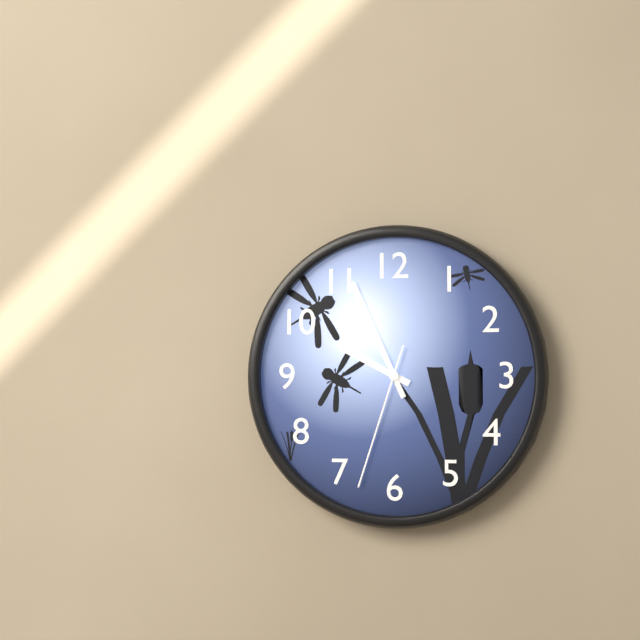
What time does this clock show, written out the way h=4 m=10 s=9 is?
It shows h=9 m=56 s=33
